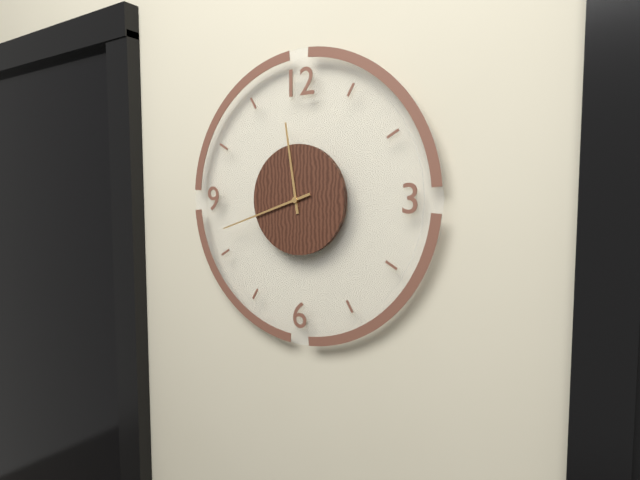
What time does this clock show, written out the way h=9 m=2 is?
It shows h=11 m=42
